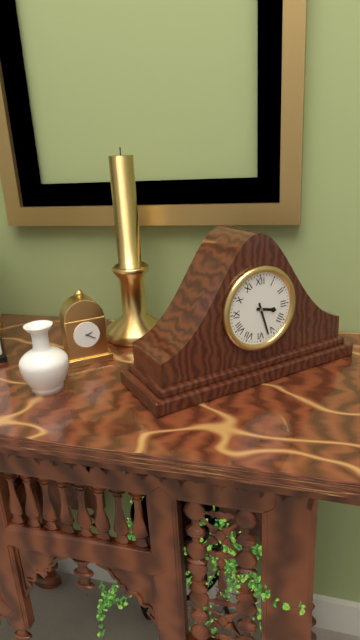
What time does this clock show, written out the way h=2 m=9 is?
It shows h=3 m=27
